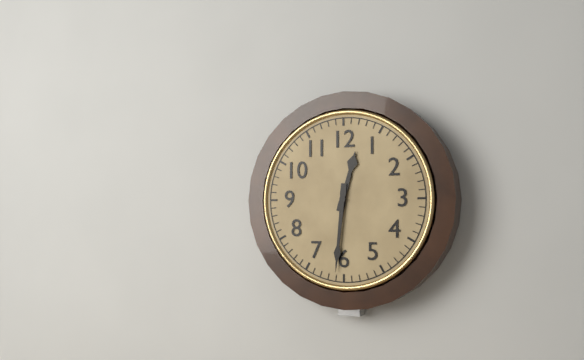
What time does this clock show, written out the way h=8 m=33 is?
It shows h=12 m=31
